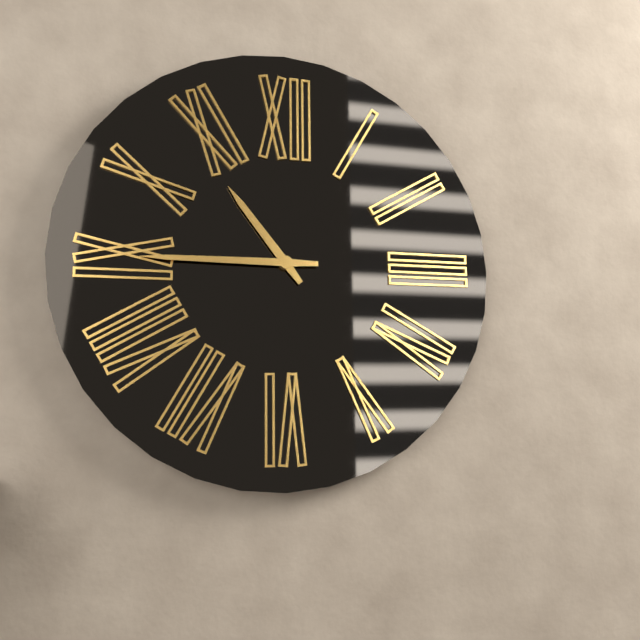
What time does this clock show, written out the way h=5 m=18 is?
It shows h=10 m=45
